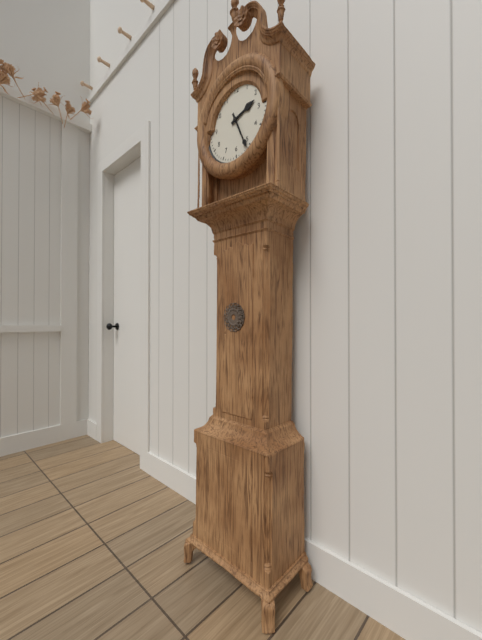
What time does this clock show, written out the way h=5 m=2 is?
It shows h=2 m=26
